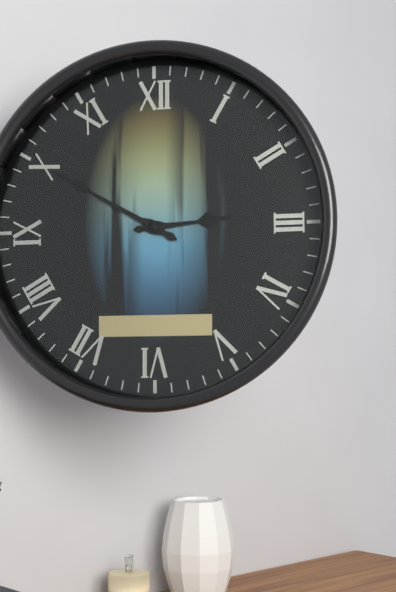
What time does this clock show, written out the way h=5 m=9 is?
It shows h=2 m=50
